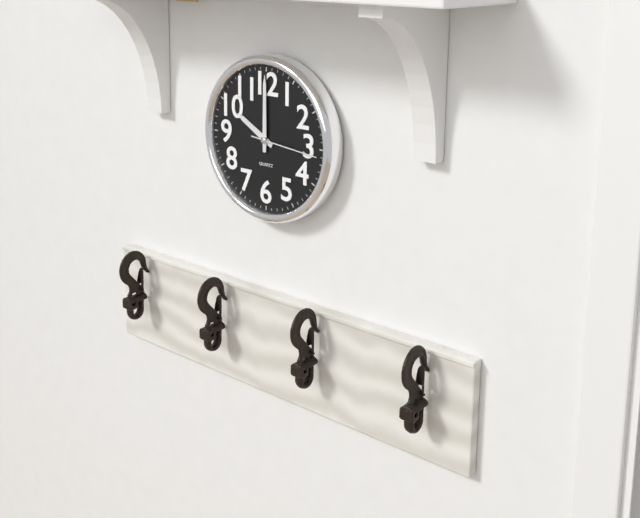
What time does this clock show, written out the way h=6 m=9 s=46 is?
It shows h=10 m=0 s=16
